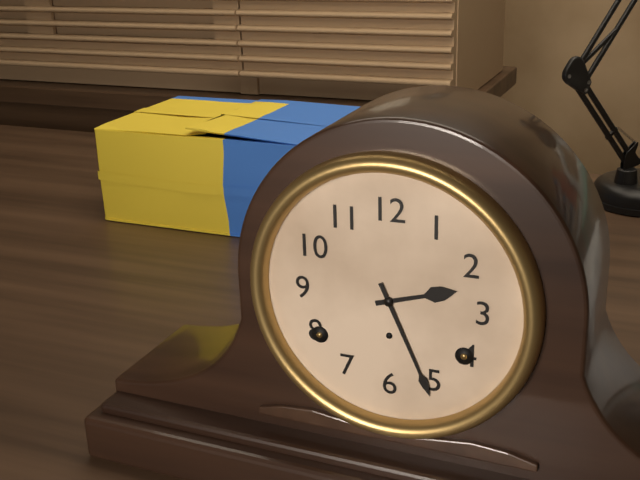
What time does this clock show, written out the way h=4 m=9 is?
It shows h=2 m=26
